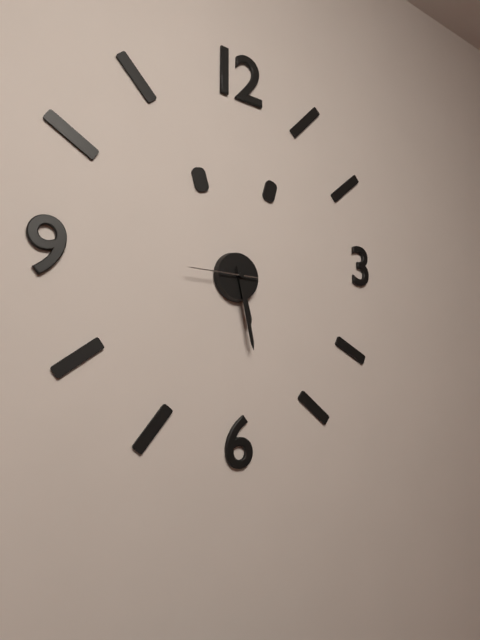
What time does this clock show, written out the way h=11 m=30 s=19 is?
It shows h=5 m=28 s=45
